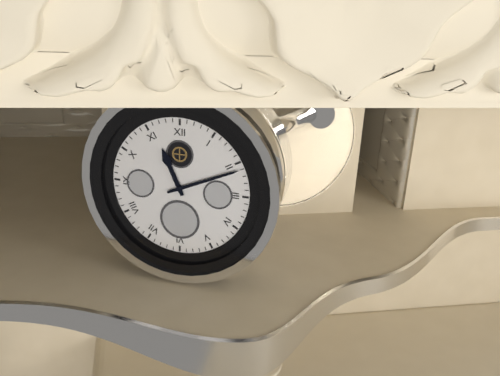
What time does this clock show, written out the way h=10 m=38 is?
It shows h=11 m=11
